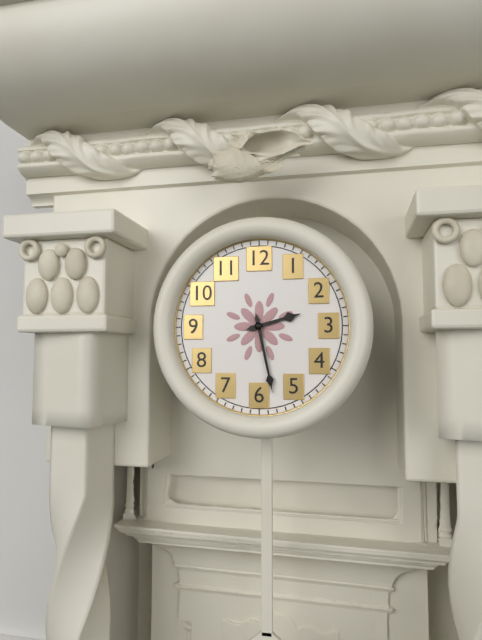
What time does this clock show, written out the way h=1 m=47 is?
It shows h=2 m=28
